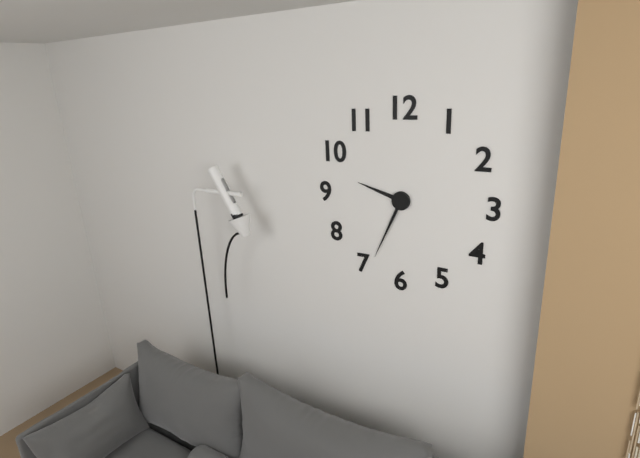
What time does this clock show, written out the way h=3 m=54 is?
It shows h=9 m=34
